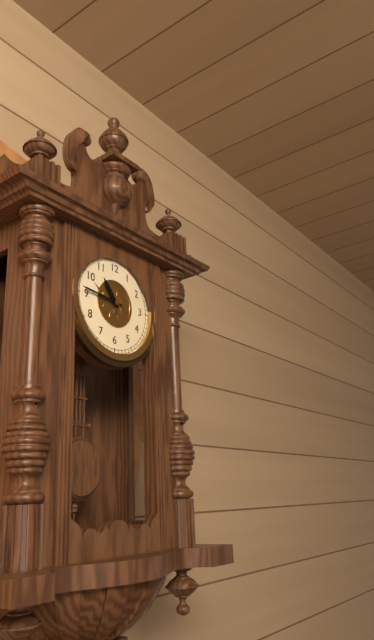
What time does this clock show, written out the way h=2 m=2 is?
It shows h=10 m=46
